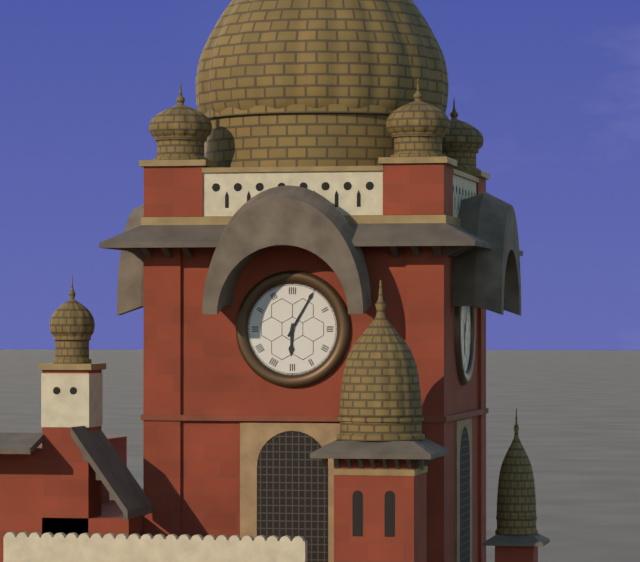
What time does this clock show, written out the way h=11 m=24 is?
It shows h=6 m=5
